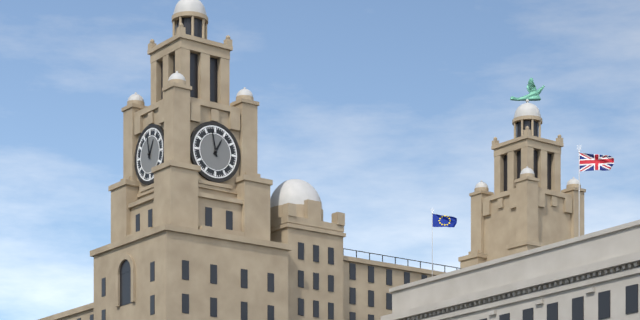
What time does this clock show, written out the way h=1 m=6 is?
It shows h=12 m=58
